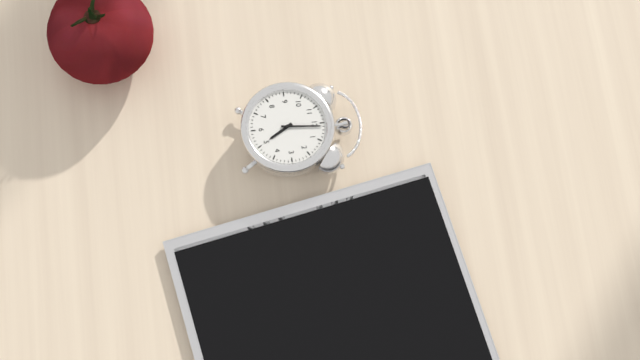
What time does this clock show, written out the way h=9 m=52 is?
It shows h=5 m=1
